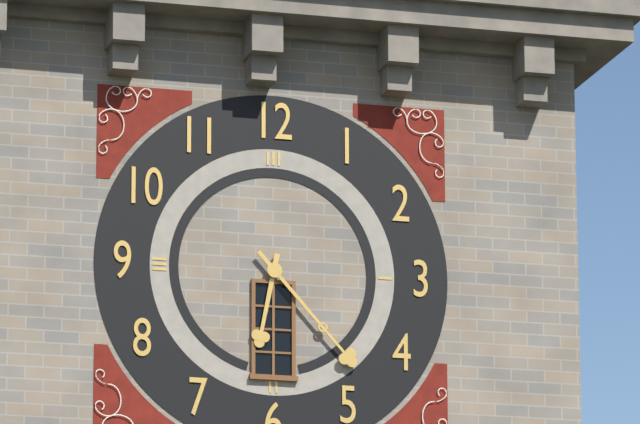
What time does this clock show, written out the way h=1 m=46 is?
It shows h=6 m=23
